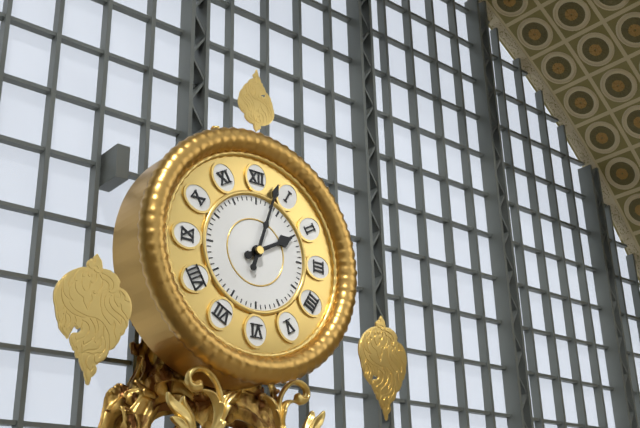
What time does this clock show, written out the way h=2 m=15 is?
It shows h=2 m=3
